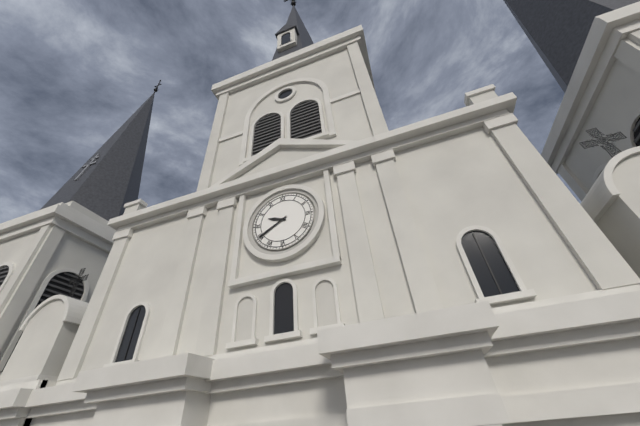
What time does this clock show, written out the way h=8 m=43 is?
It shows h=9 m=40
